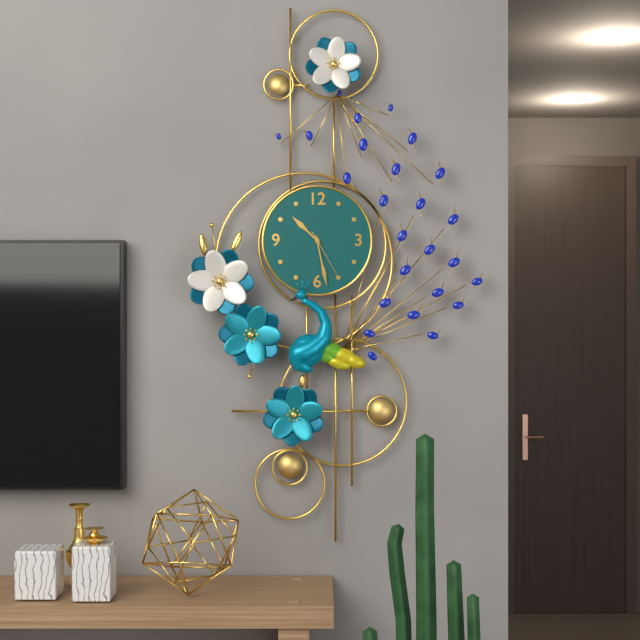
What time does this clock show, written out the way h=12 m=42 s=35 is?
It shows h=10 m=28 s=25
